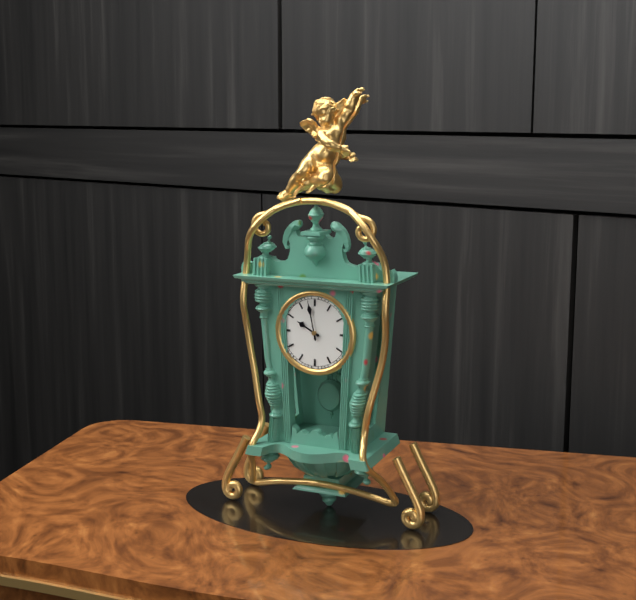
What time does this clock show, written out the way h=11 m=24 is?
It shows h=9 m=58
